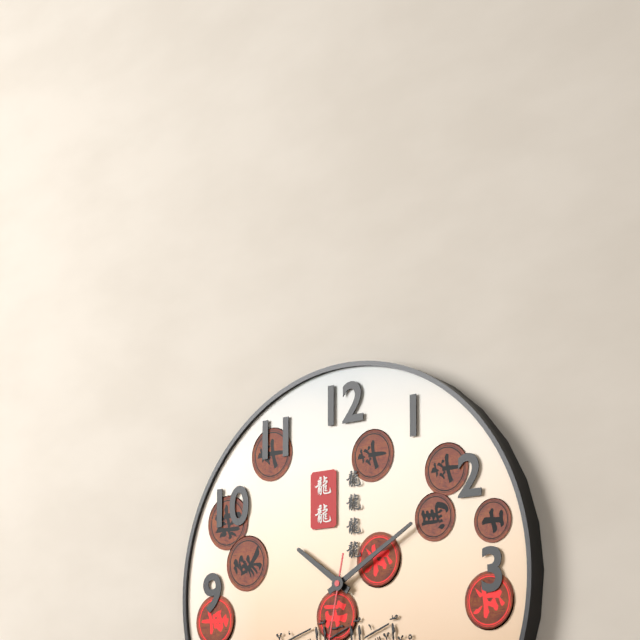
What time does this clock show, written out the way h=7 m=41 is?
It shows h=10 m=10
